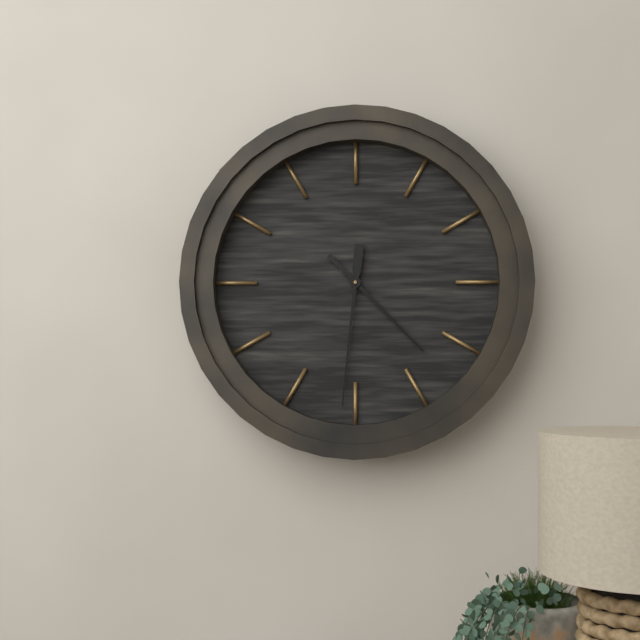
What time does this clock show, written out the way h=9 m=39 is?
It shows h=4 m=31
